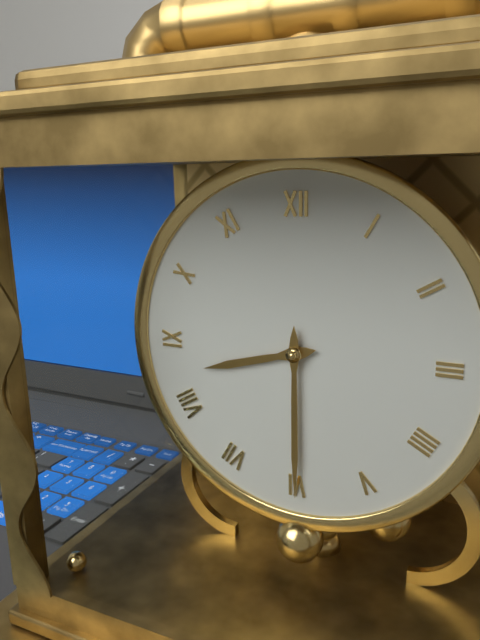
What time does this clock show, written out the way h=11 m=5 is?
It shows h=8 m=30
